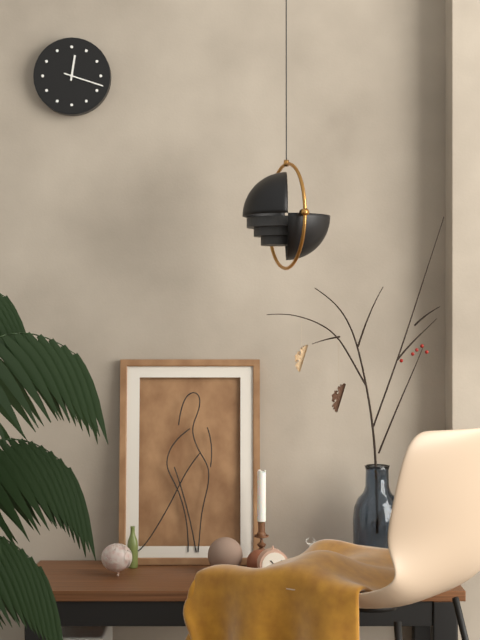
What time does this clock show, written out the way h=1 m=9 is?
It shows h=12 m=18
